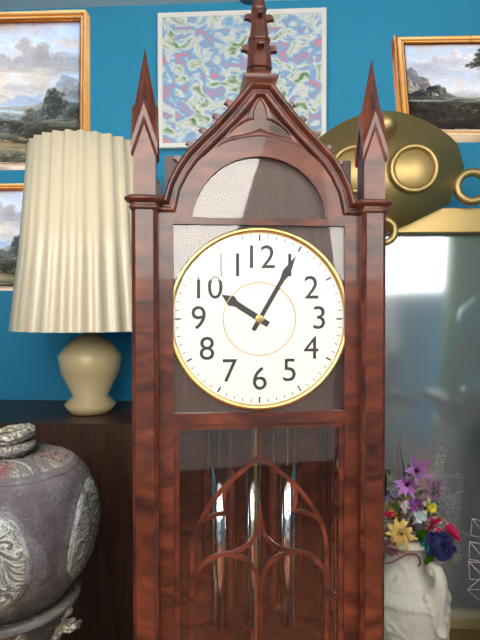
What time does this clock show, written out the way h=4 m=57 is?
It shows h=10 m=5
